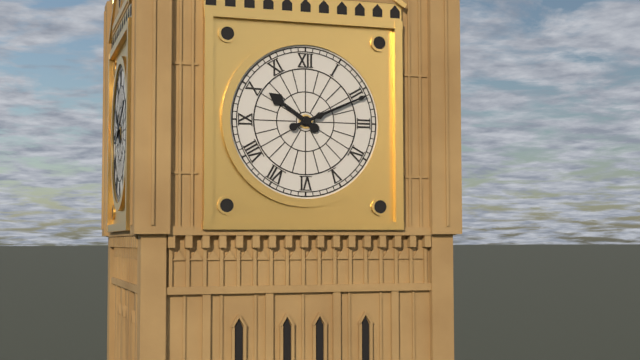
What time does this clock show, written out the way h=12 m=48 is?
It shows h=10 m=11
